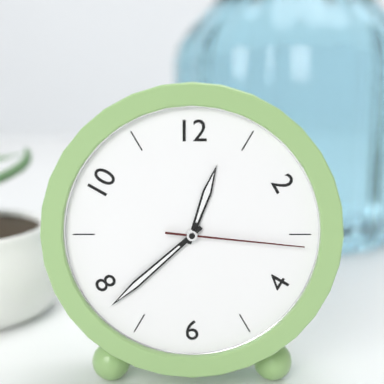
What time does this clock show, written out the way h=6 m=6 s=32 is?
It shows h=12 m=38 s=16
